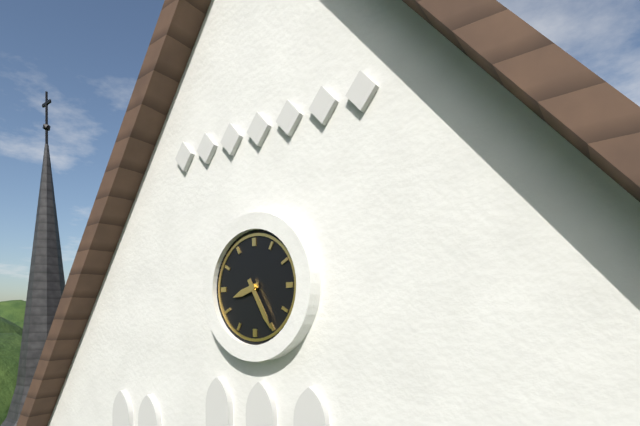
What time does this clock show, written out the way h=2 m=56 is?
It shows h=8 m=25
